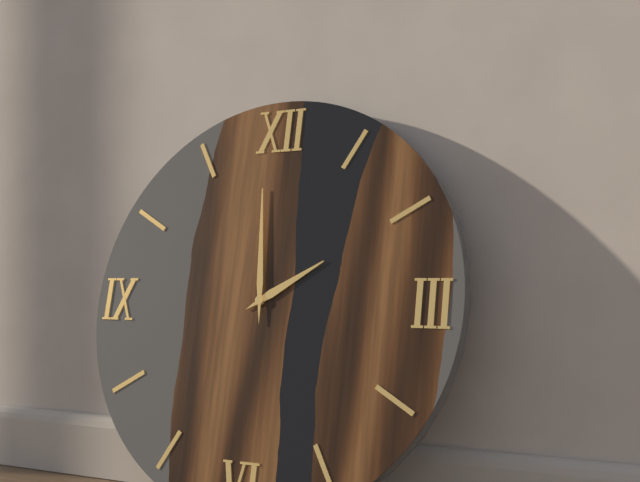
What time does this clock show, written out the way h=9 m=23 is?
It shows h=1 m=59
